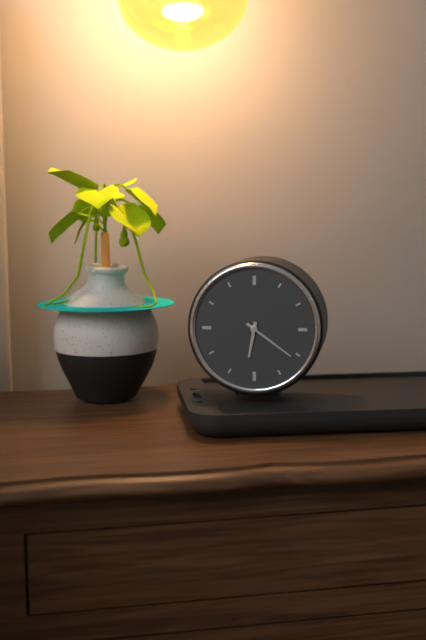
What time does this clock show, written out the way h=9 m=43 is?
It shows h=6 m=21
